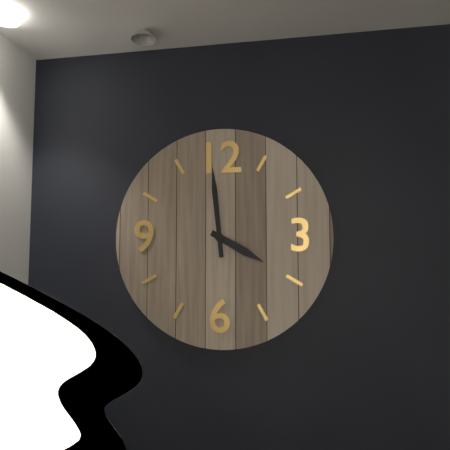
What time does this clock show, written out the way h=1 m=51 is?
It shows h=3 m=59
